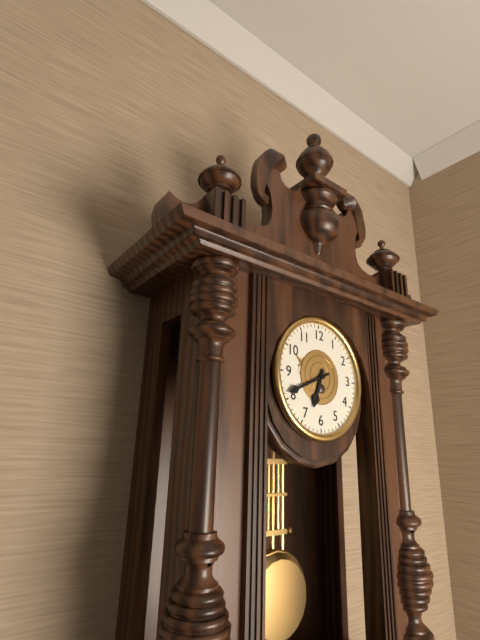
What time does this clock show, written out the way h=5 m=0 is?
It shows h=6 m=41
